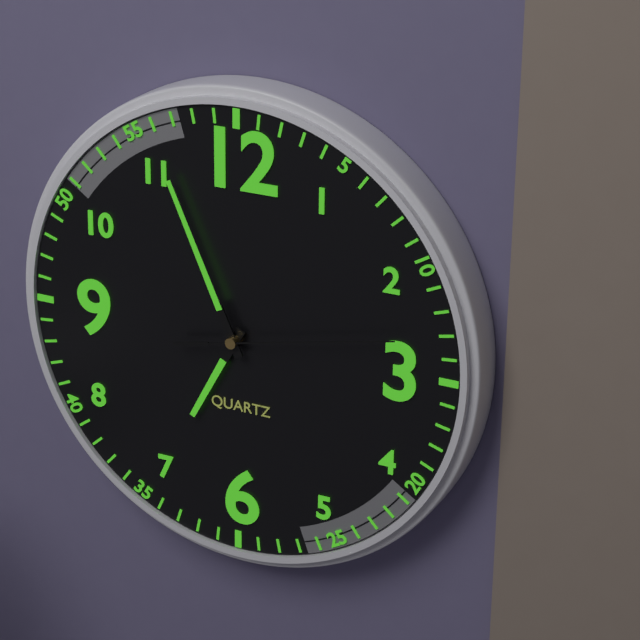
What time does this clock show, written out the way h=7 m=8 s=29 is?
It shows h=6 m=56 s=13
